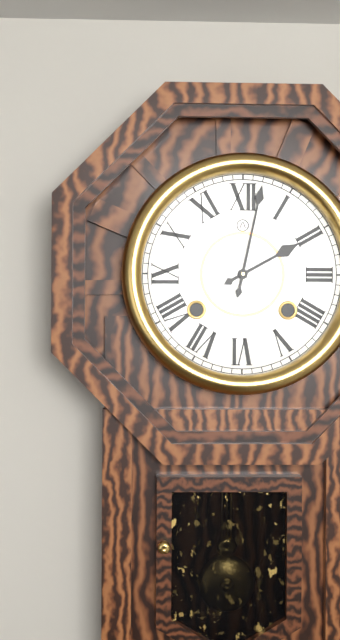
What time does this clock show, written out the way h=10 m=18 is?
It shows h=2 m=2
